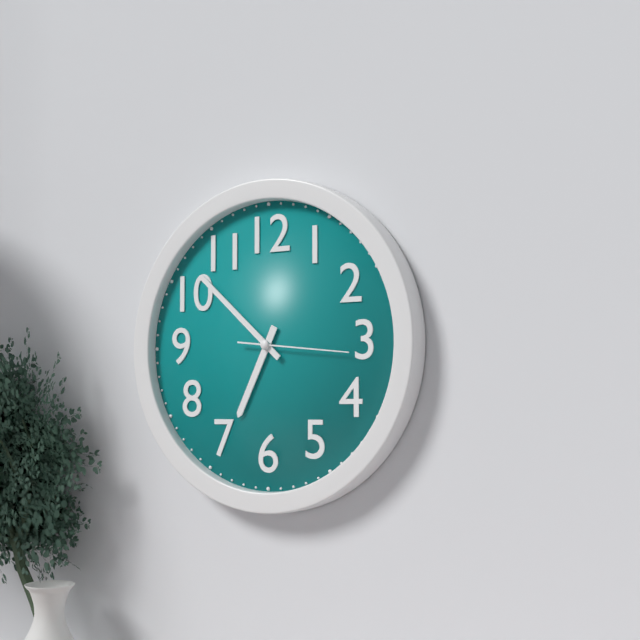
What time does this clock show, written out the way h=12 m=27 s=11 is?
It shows h=6 m=52 s=16
